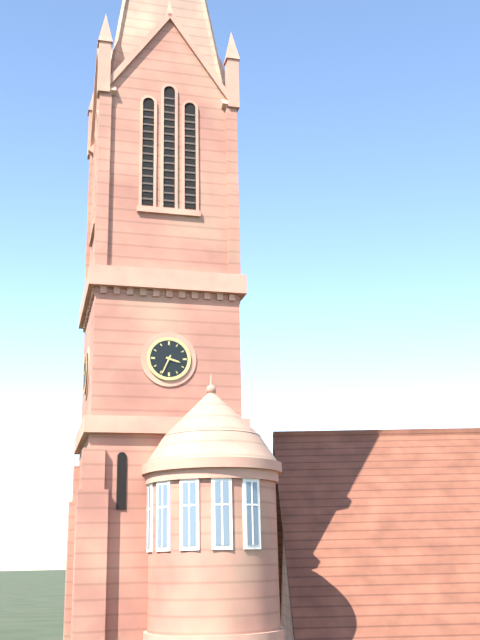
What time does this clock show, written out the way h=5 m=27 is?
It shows h=3 m=34
